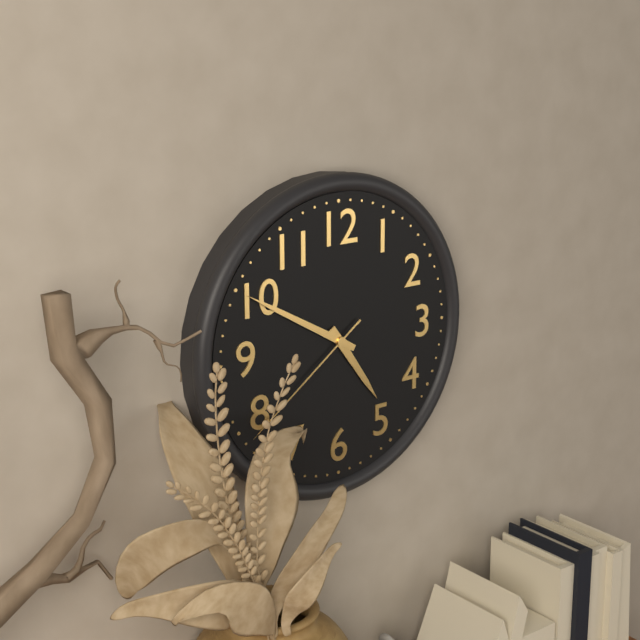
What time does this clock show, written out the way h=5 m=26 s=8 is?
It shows h=4 m=50 s=39
